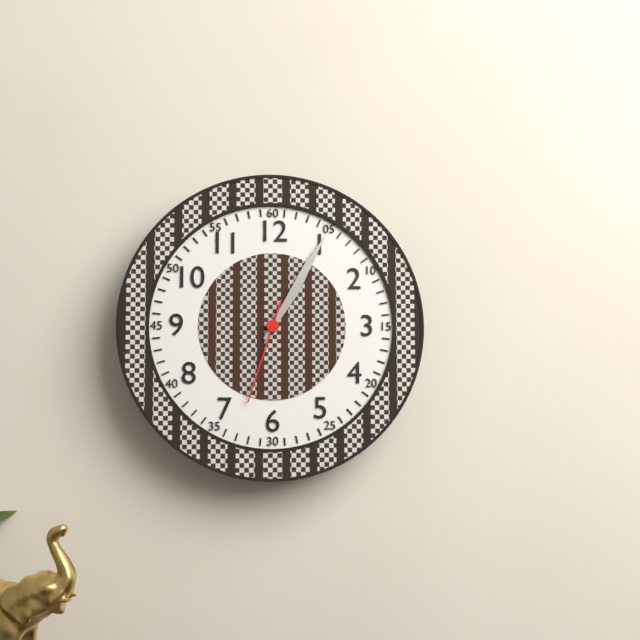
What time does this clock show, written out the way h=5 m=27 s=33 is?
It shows h=1 m=5 s=33
